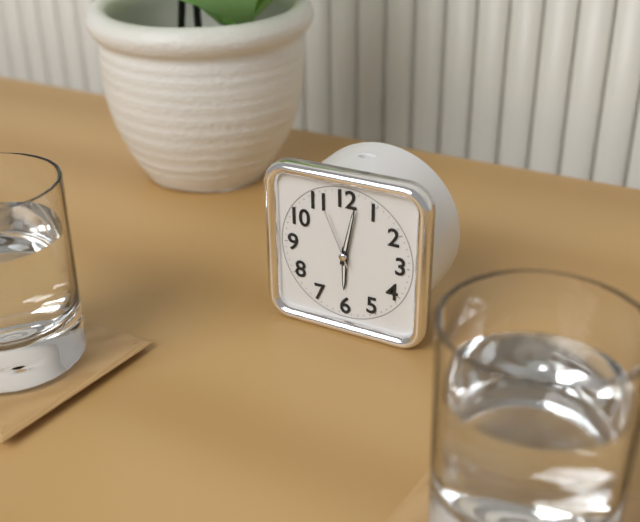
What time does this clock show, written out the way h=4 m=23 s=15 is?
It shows h=6 m=2 s=56
